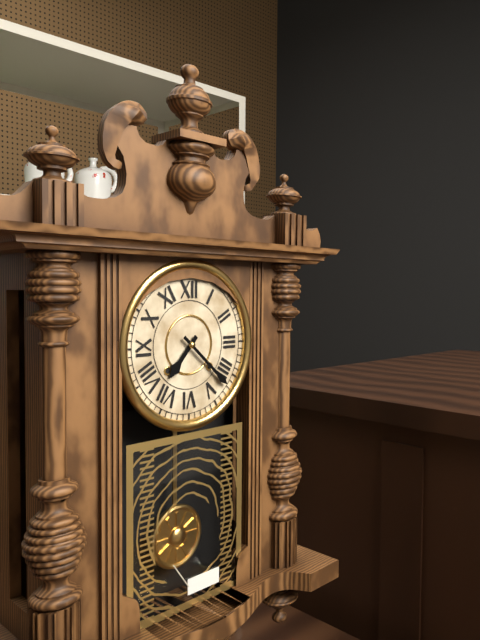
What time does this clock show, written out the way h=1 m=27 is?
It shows h=7 m=22
